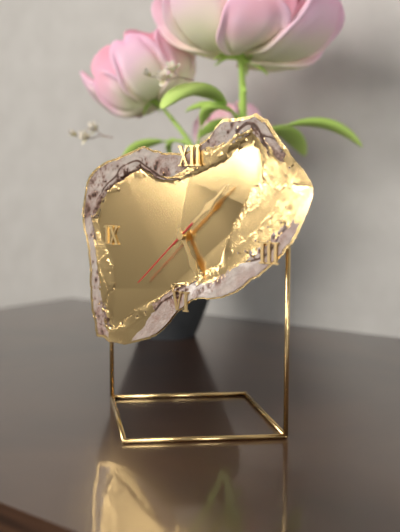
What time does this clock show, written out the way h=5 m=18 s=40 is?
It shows h=5 m=8 s=38
